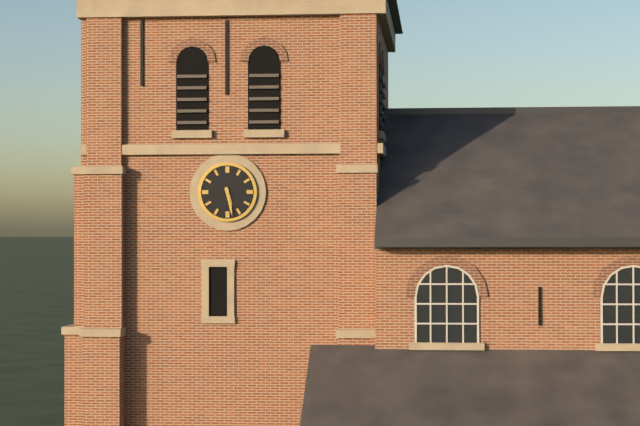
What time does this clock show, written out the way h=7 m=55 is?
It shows h=5 m=28
